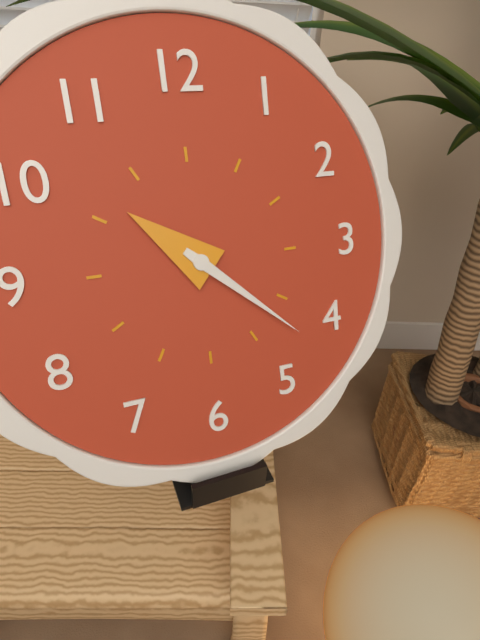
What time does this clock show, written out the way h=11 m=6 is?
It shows h=10 m=22
